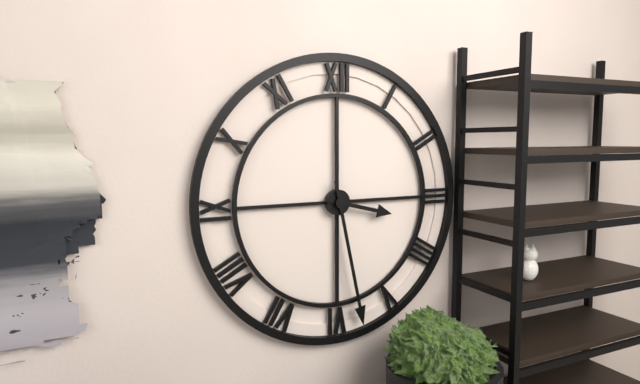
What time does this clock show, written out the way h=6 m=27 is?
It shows h=3 m=28
